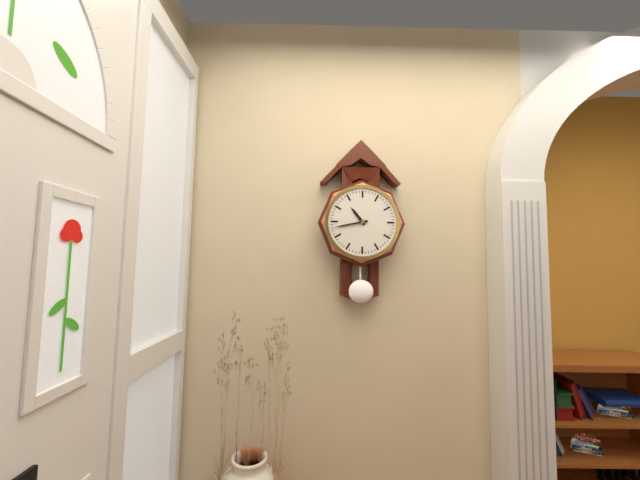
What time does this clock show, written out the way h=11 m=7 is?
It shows h=10 m=43
